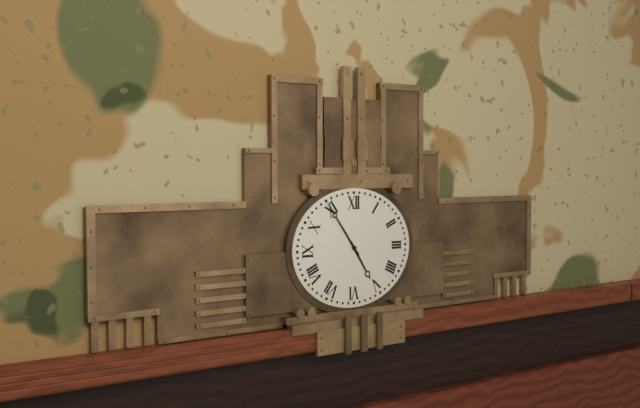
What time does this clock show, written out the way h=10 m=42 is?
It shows h=4 m=54
